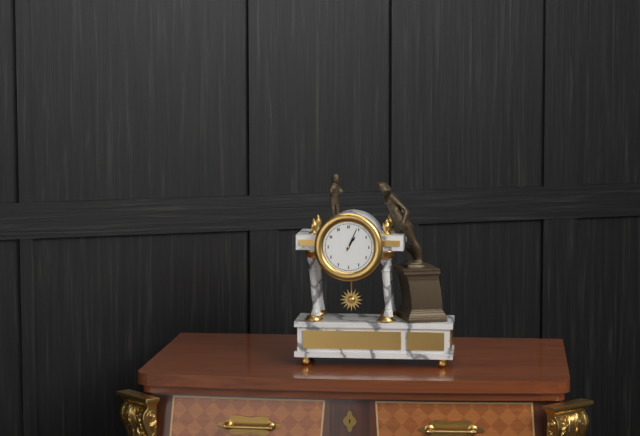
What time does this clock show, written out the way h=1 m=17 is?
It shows h=1 m=4
